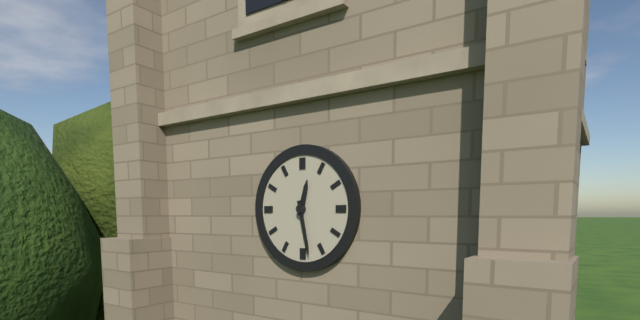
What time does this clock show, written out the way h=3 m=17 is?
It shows h=12 m=28
